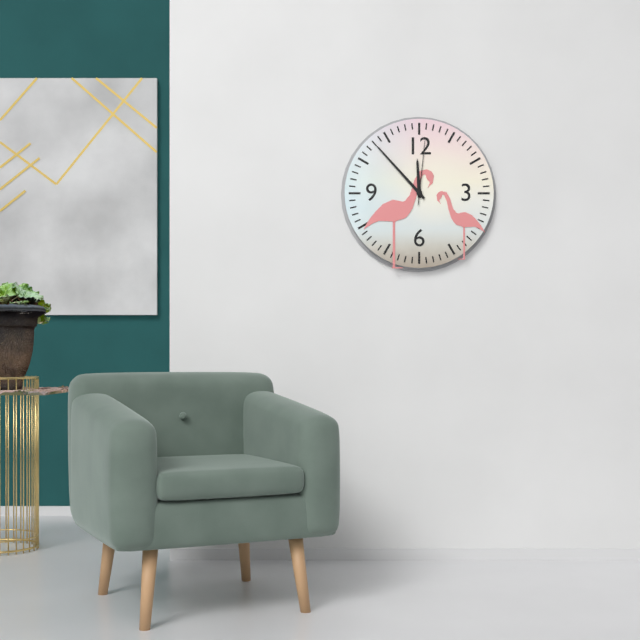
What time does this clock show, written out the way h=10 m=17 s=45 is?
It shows h=11 m=53 s=1
